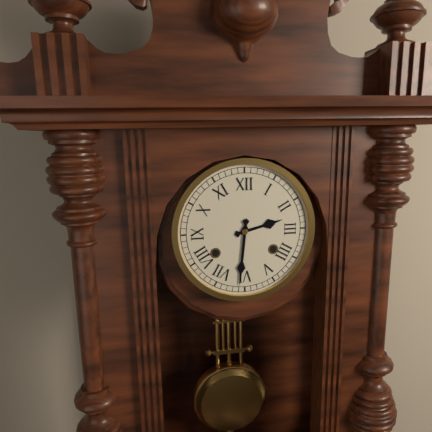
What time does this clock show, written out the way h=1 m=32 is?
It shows h=2 m=31
